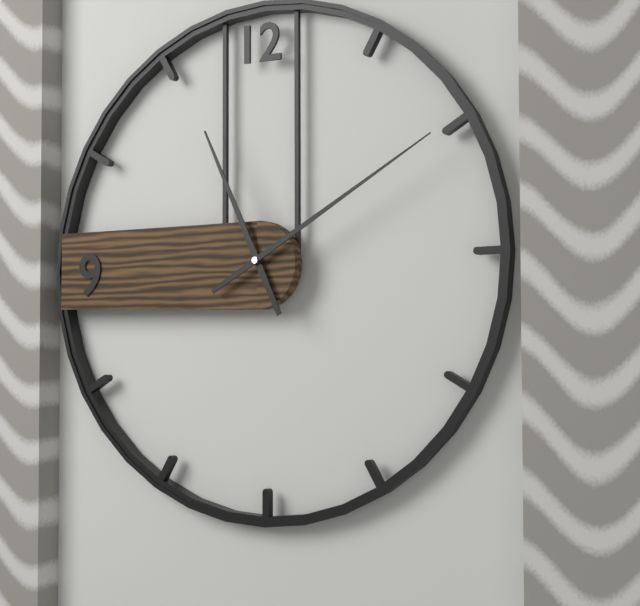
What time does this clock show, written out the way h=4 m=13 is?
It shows h=11 m=10
